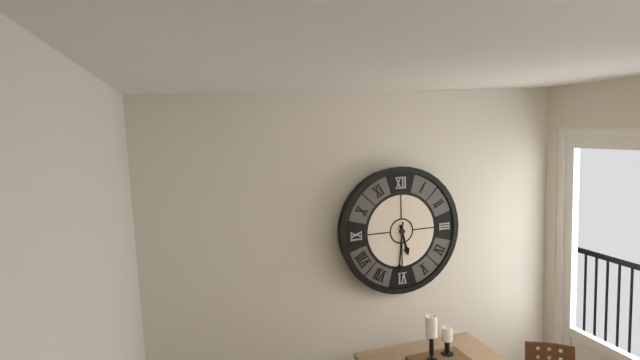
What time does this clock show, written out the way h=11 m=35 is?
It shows h=5 m=31
